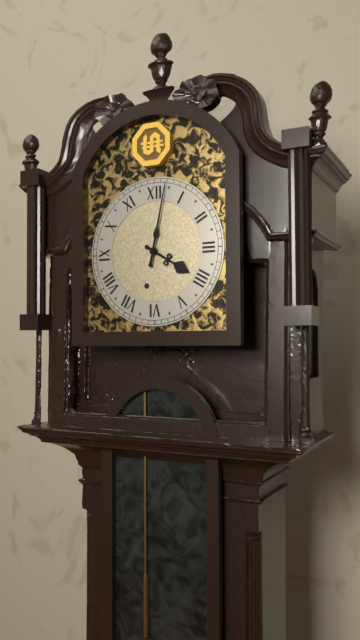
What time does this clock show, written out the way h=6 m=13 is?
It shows h=4 m=2
